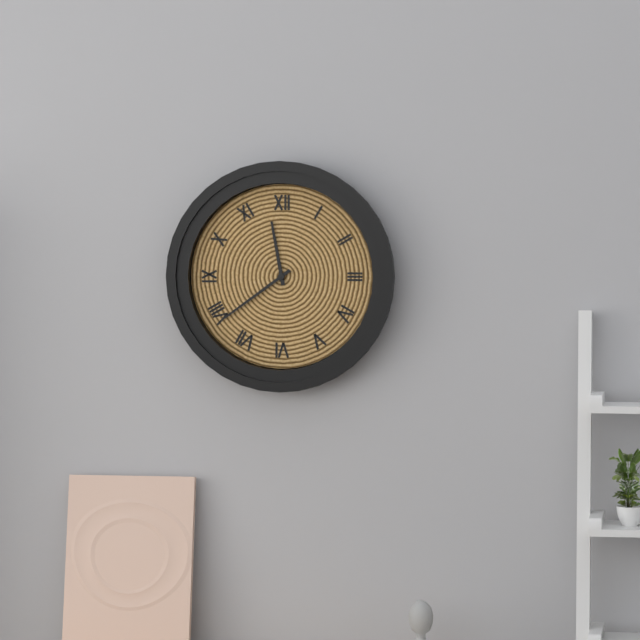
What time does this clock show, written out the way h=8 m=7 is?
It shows h=11 m=39
